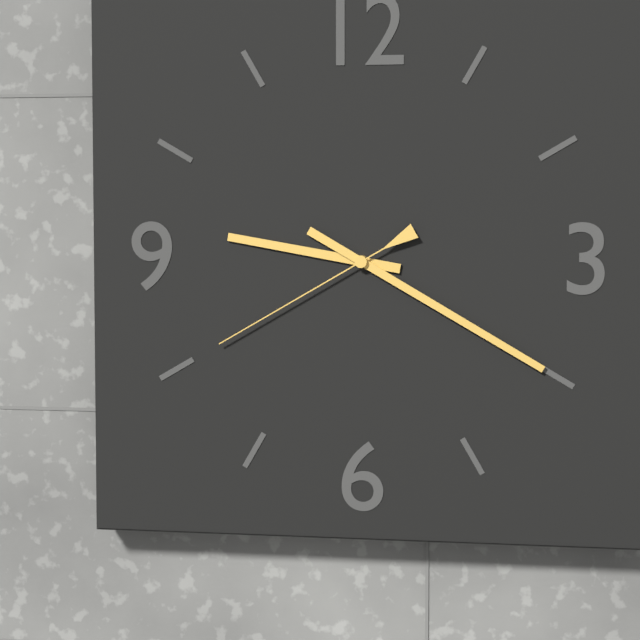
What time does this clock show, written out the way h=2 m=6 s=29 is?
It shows h=9 m=20 s=40
